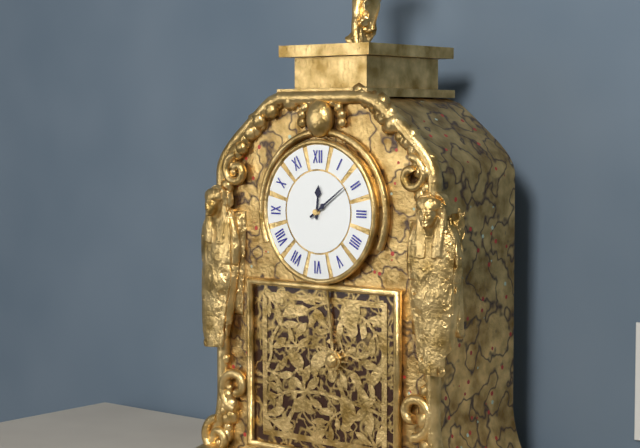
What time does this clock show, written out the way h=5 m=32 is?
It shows h=12 m=9
